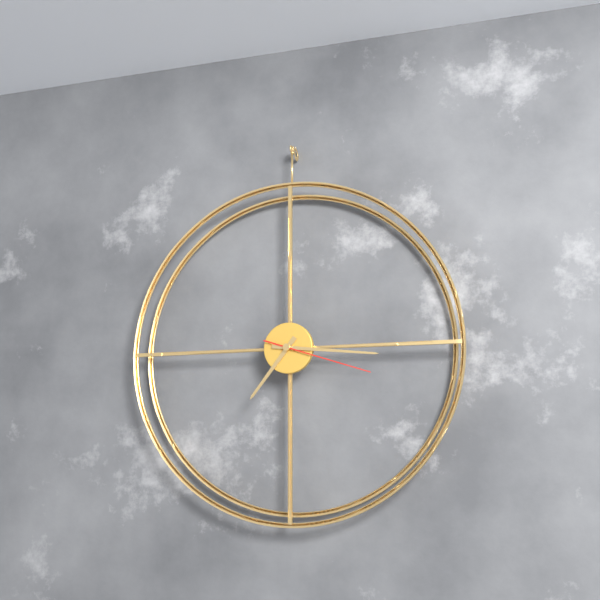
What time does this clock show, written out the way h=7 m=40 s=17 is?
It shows h=7 m=16 s=18
